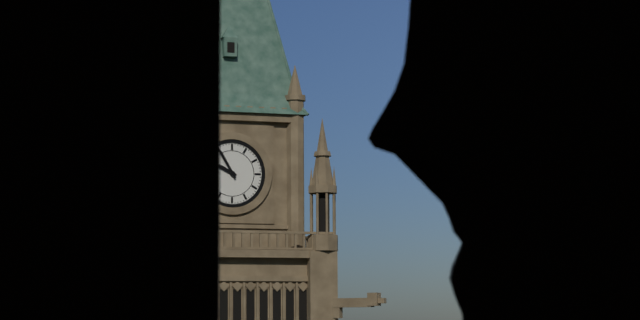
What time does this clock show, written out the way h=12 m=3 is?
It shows h=9 m=55
